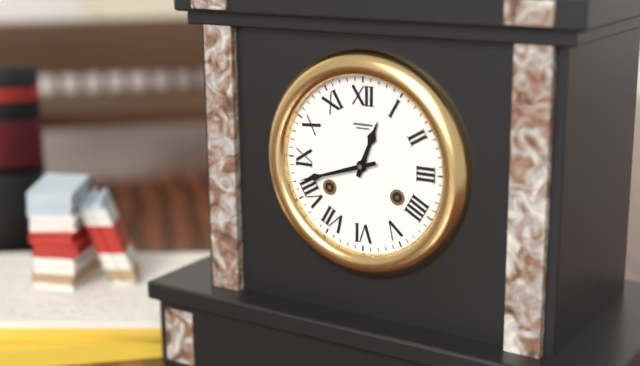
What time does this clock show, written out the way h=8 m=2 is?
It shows h=12 m=42
